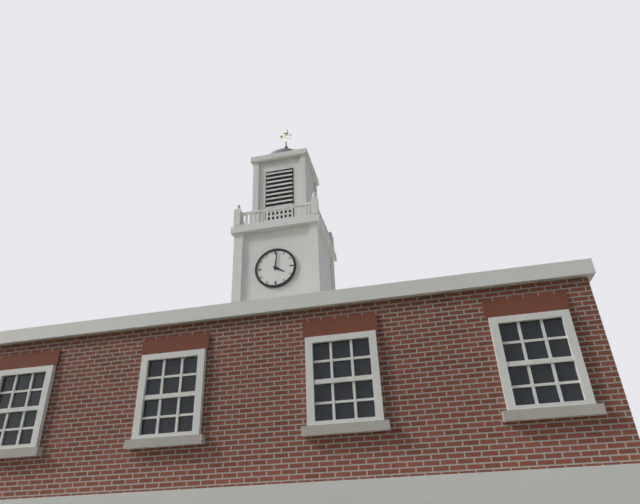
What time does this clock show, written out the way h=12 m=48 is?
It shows h=4 m=1
